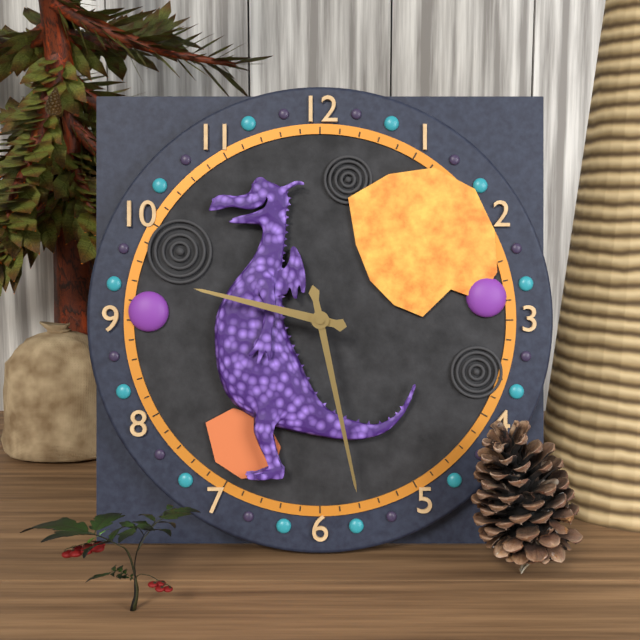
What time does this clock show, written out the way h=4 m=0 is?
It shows h=9 m=28
